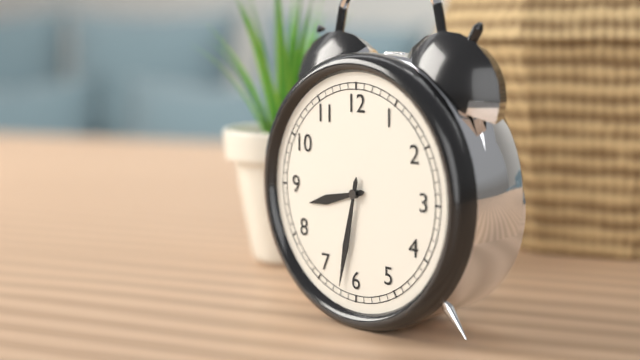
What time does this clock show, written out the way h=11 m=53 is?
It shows h=8 m=32
